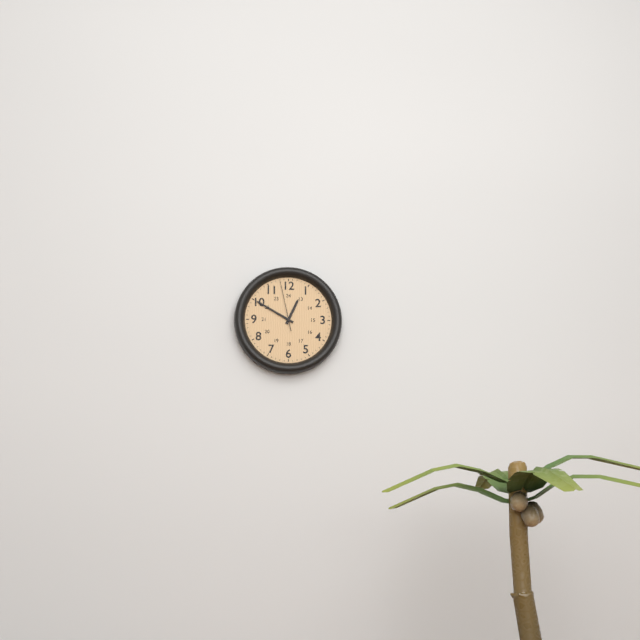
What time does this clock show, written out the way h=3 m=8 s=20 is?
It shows h=12 m=50 s=58
